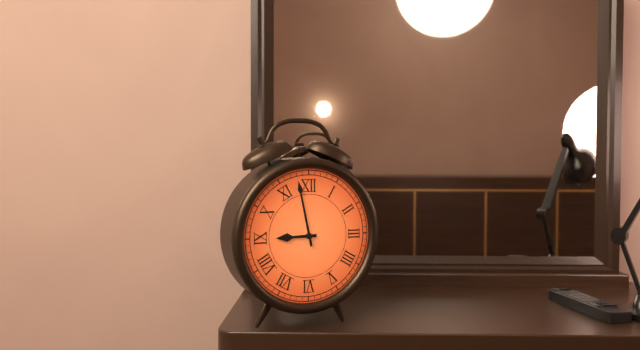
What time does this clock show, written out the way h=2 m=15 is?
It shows h=8 m=58
